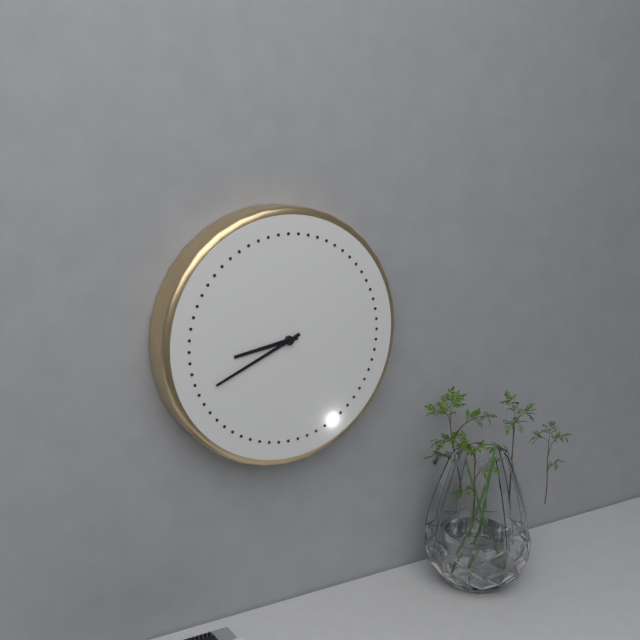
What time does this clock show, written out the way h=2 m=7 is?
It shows h=8 m=41
